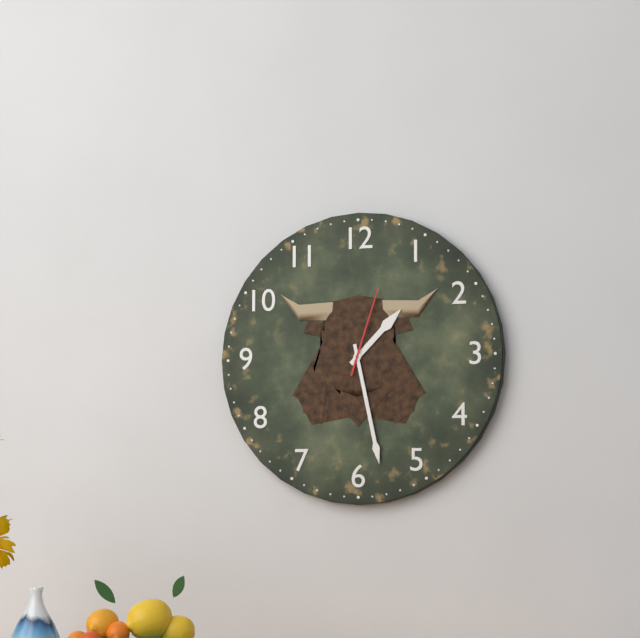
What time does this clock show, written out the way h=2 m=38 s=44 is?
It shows h=1 m=28 s=3
